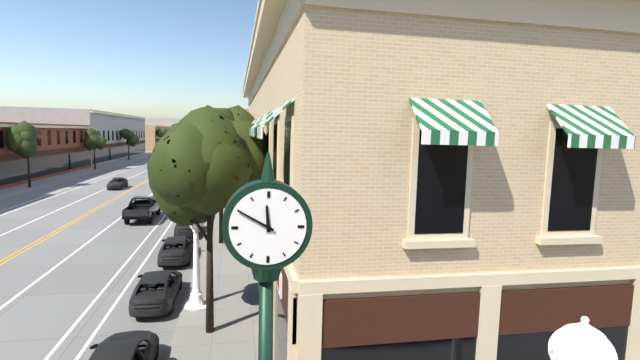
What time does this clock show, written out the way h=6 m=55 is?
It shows h=11 m=50
